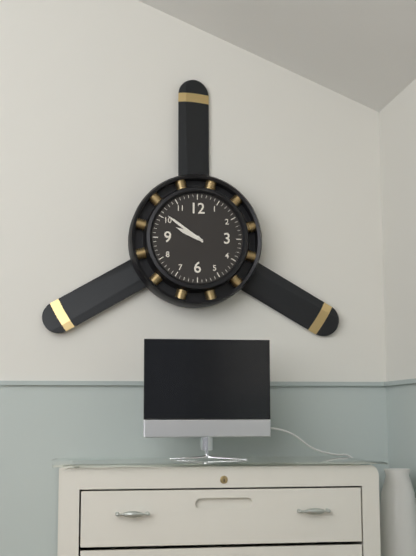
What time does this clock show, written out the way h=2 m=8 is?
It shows h=9 m=51
